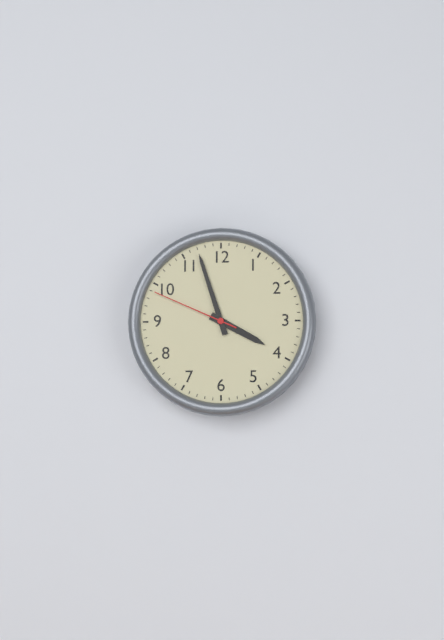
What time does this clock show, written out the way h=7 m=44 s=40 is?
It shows h=3 m=57 s=49
